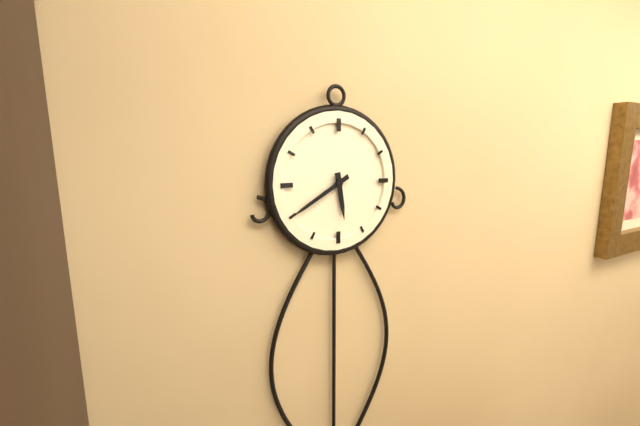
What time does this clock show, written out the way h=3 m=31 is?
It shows h=5 m=40
